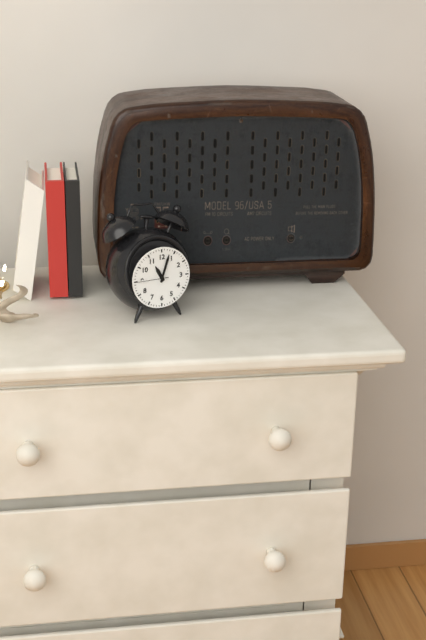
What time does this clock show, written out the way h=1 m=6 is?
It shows h=11 m=3
